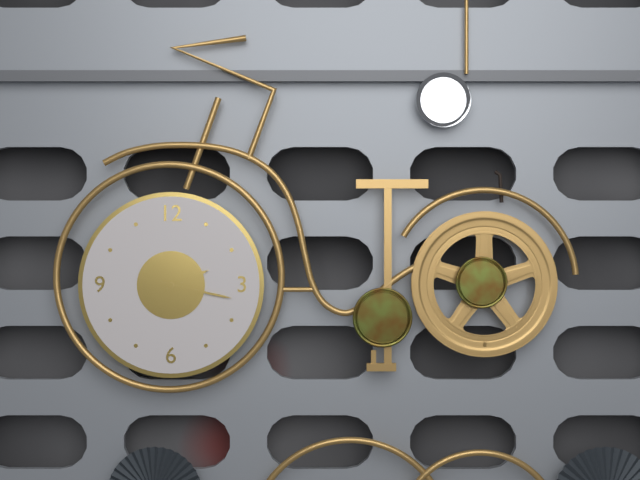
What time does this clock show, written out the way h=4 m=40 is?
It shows h=2 m=17
